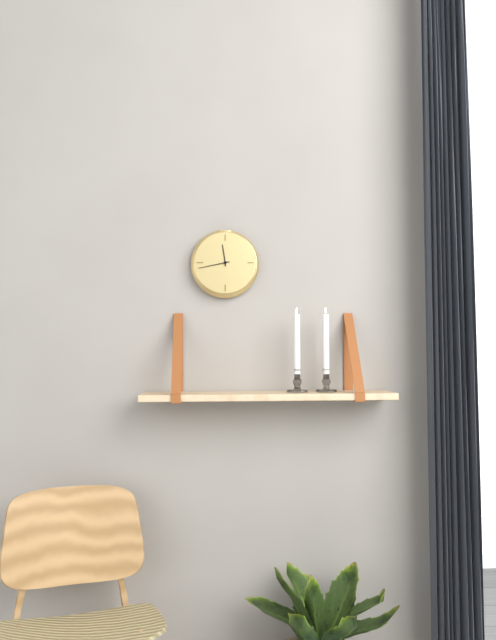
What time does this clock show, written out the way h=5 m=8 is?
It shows h=11 m=43
